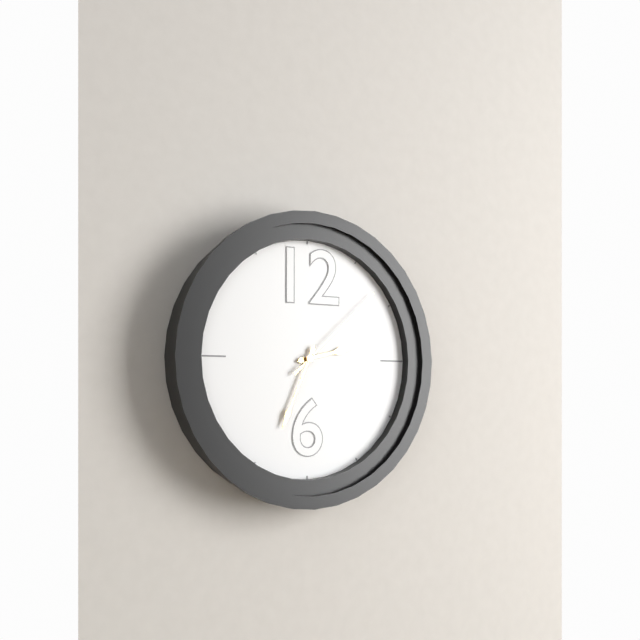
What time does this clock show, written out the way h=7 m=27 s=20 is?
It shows h=2 m=34 s=8
